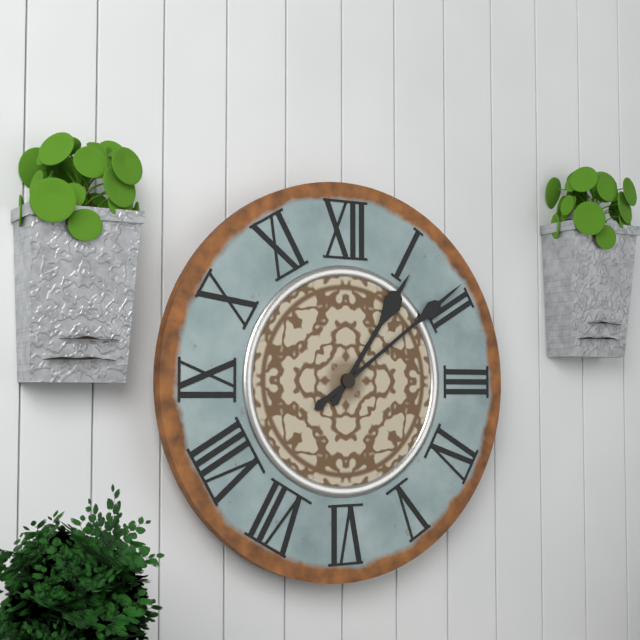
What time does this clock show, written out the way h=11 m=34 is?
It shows h=1 m=9
